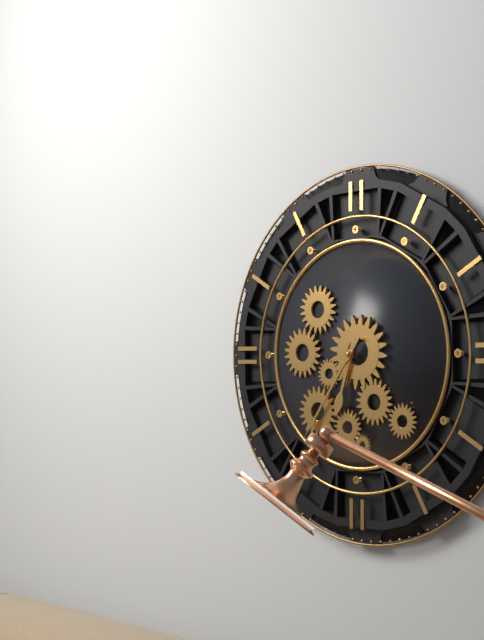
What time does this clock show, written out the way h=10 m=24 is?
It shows h=6 m=36
